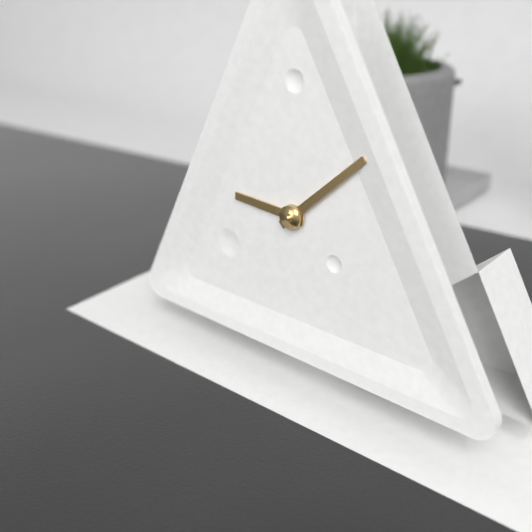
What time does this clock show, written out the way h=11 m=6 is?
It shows h=9 m=8
